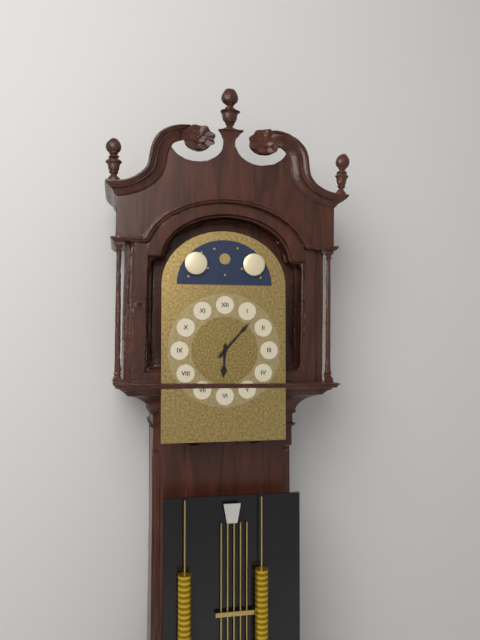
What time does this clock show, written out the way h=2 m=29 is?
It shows h=6 m=7
